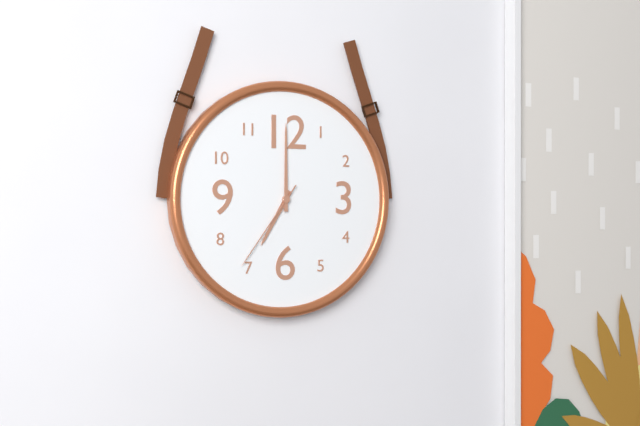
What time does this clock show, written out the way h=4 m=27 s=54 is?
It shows h=7 m=0 s=36
